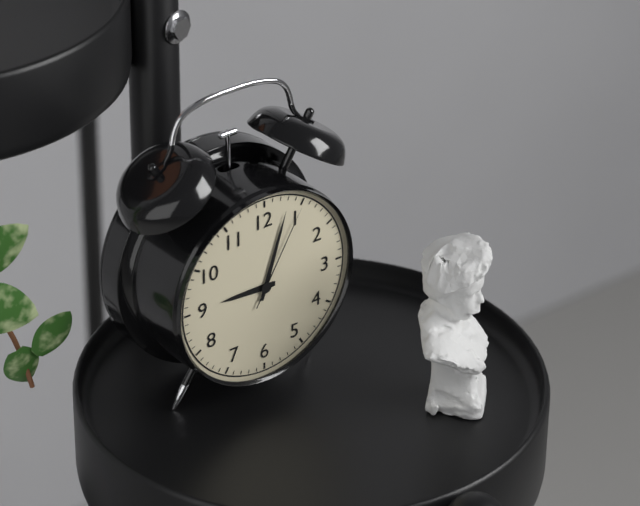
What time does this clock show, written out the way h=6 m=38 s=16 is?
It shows h=9 m=3 s=5
